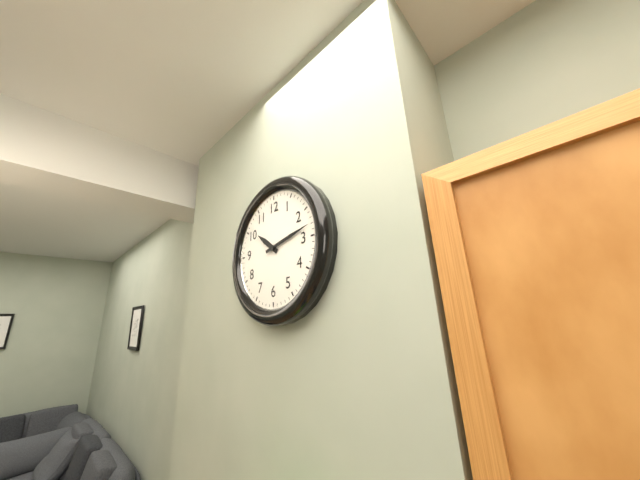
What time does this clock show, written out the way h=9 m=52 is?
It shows h=10 m=13
